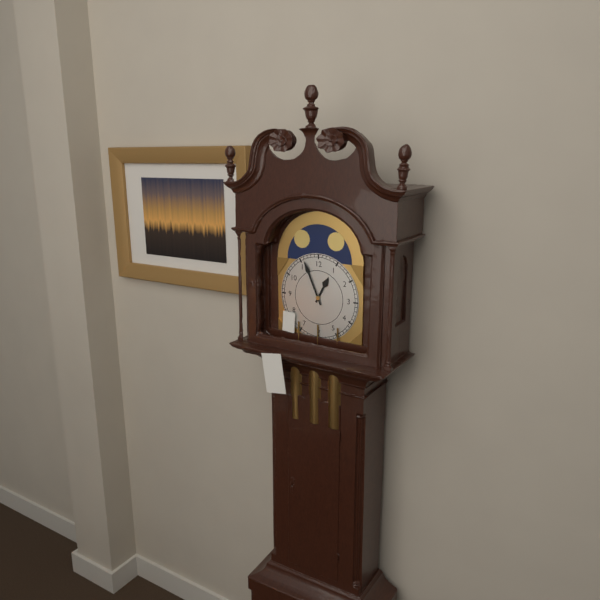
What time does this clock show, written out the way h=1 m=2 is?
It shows h=12 m=56
